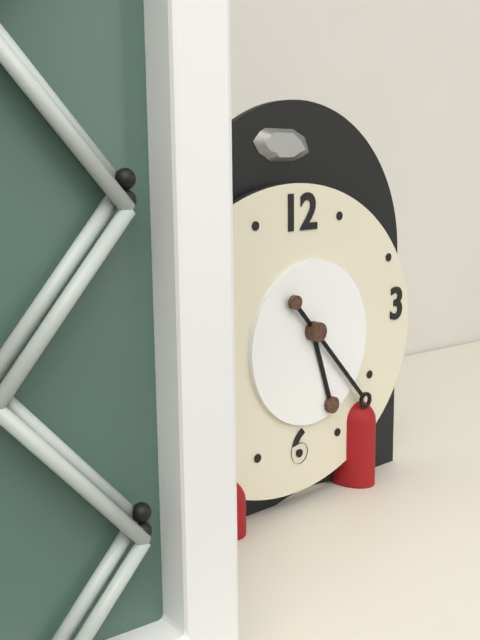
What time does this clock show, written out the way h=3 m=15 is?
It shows h=5 m=23
